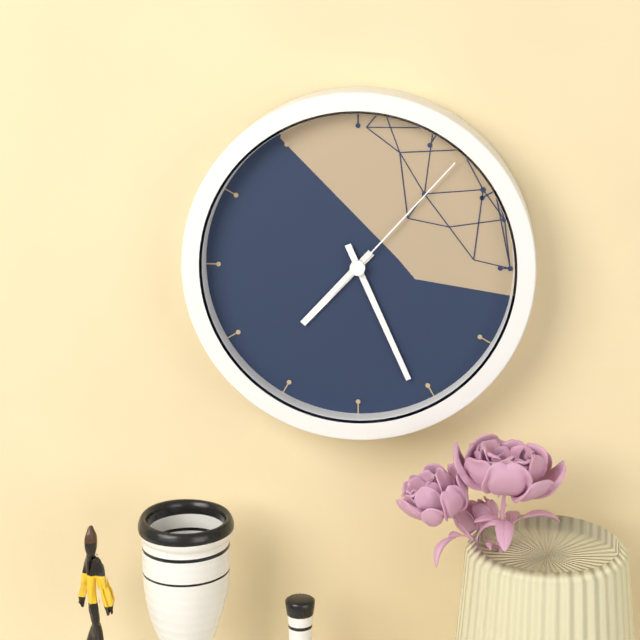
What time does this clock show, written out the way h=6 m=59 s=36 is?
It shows h=7 m=26 s=7
